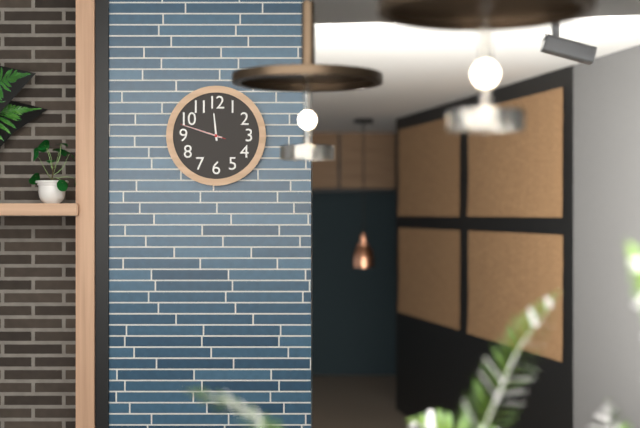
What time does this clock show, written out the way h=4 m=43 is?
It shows h=11 m=48
